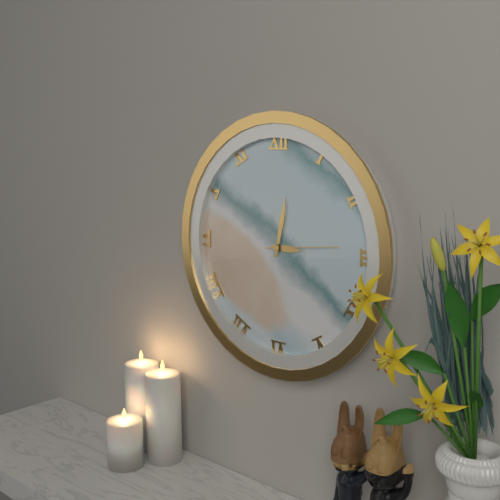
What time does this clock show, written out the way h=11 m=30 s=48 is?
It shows h=3 m=2 s=14
